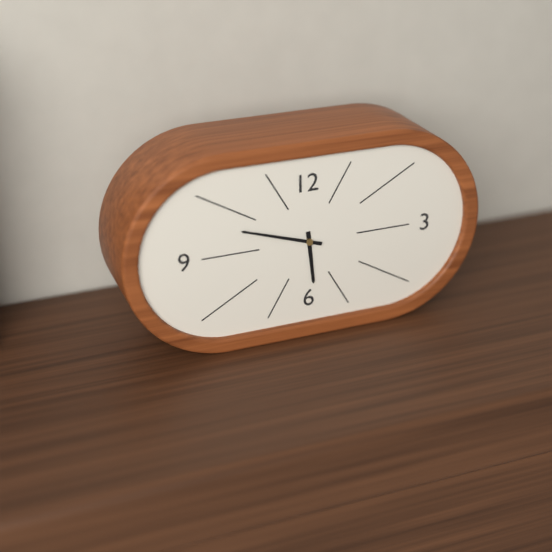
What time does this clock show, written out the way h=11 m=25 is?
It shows h=5 m=48
